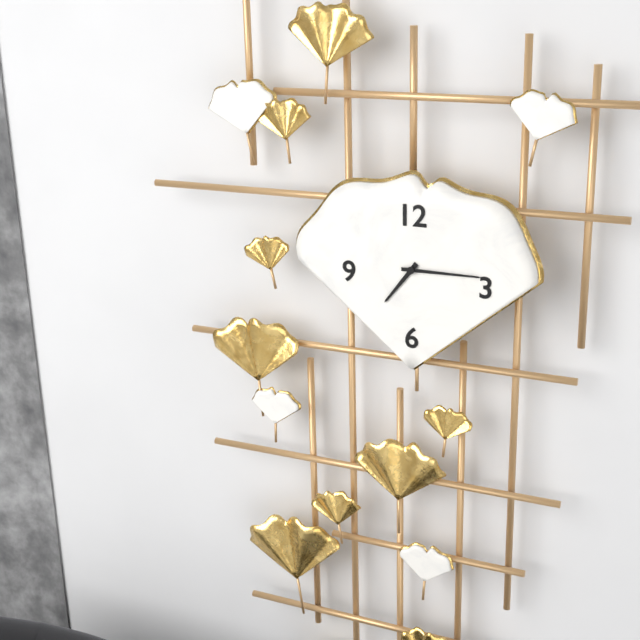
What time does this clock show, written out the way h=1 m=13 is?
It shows h=7 m=15
